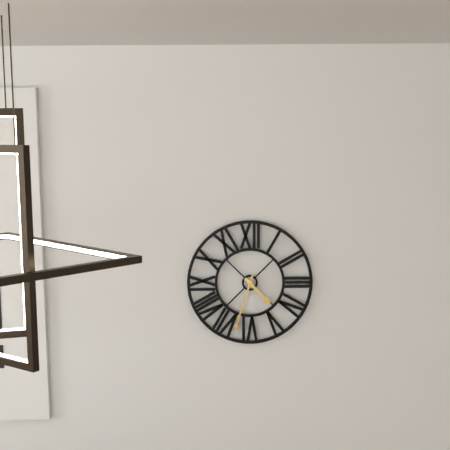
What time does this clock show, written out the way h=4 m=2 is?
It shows h=4 m=33
